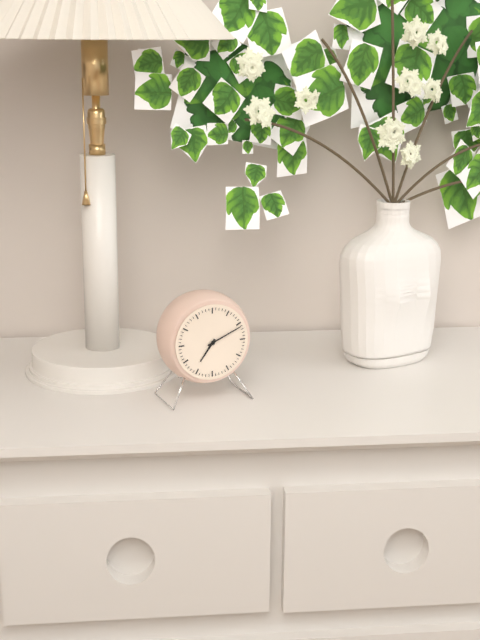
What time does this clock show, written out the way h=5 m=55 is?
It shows h=7 m=11
